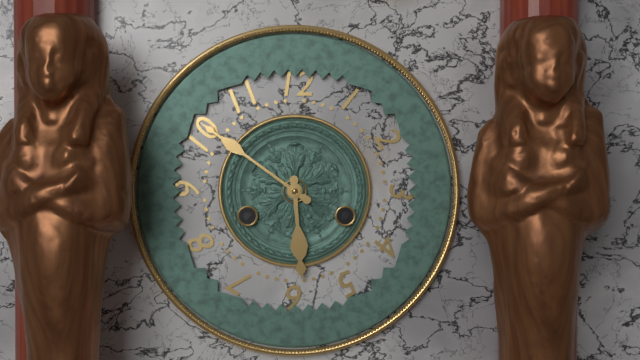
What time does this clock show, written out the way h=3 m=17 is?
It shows h=5 m=51
